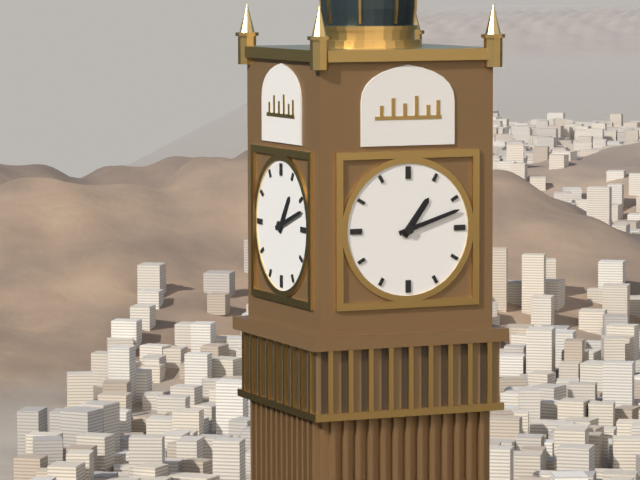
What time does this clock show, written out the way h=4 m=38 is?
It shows h=1 m=12
